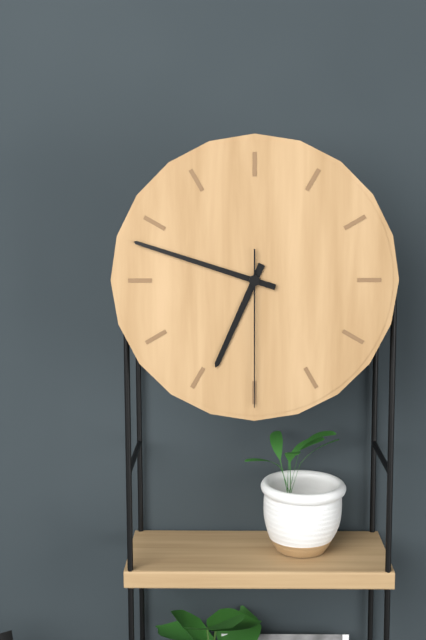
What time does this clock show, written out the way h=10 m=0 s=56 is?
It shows h=6 m=48 s=30
